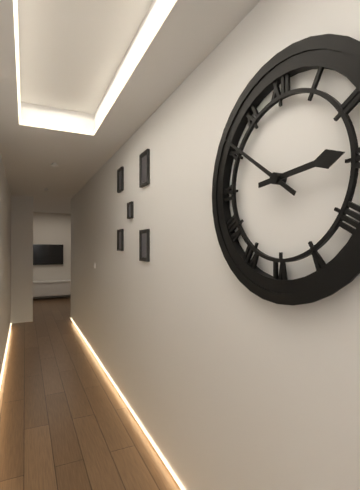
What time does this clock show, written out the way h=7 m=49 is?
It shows h=2 m=51
